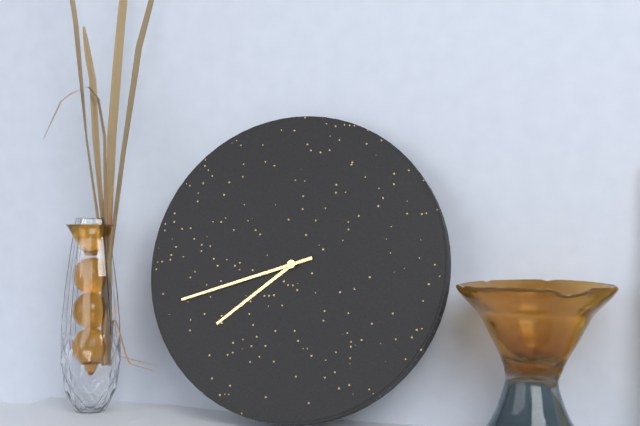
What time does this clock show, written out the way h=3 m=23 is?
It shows h=7 m=42
